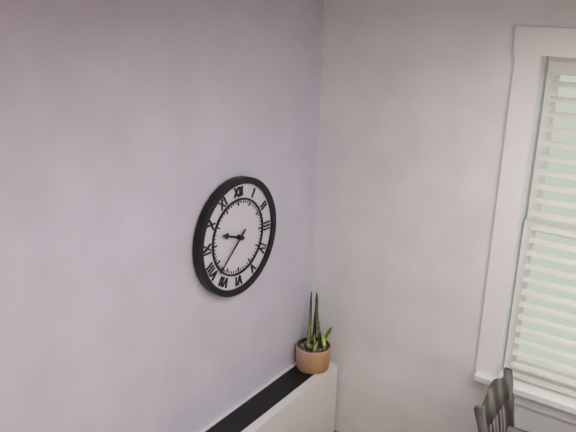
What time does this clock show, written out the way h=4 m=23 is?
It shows h=9 m=38
